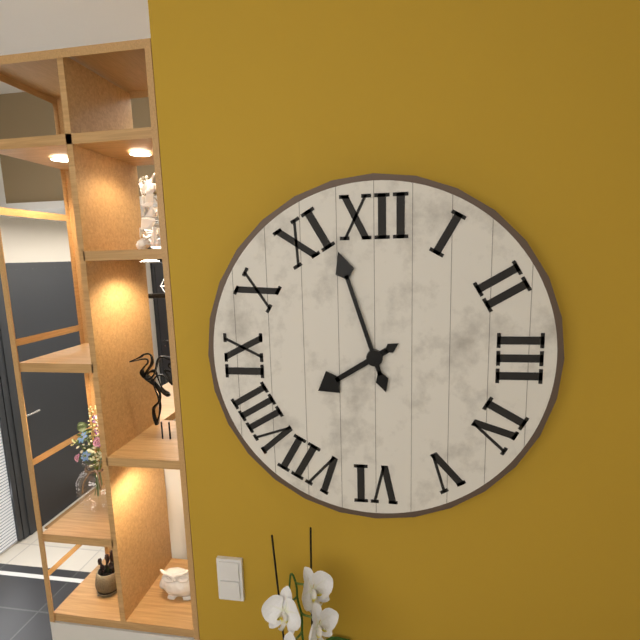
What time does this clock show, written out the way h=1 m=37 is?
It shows h=7 m=57
